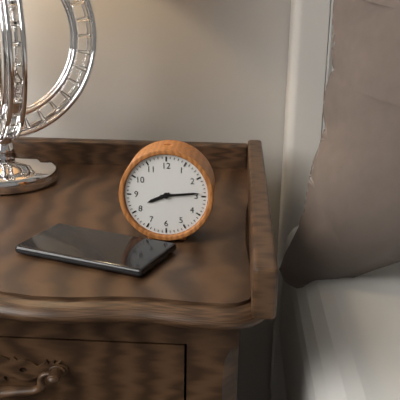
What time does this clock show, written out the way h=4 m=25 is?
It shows h=8 m=14
